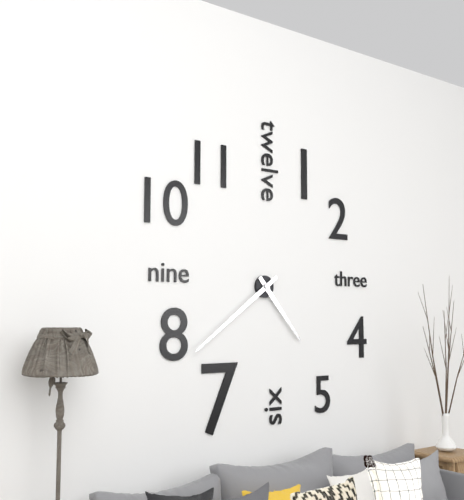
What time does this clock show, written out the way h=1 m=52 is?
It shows h=4 m=39
